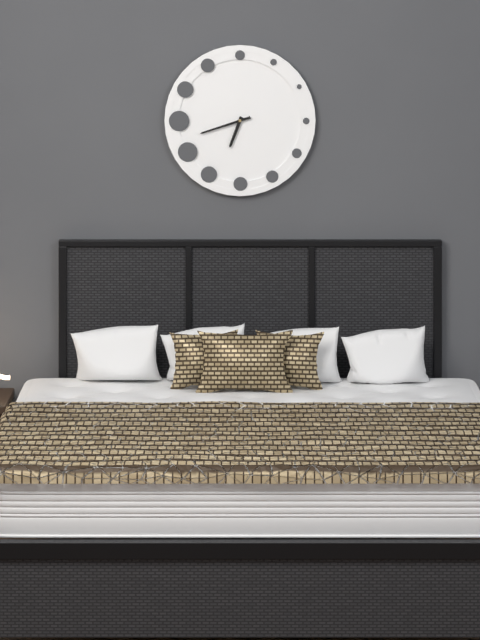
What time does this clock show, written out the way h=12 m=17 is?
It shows h=6 m=42
